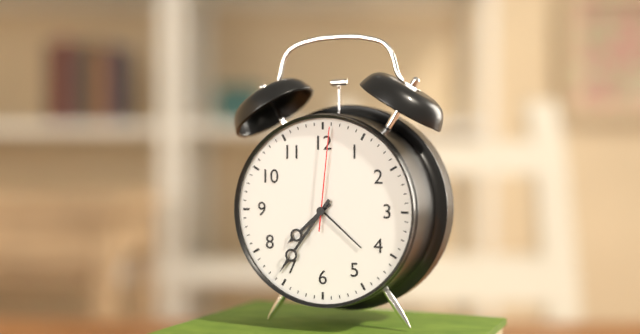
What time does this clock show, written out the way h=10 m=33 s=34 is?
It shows h=7 m=36 s=1
